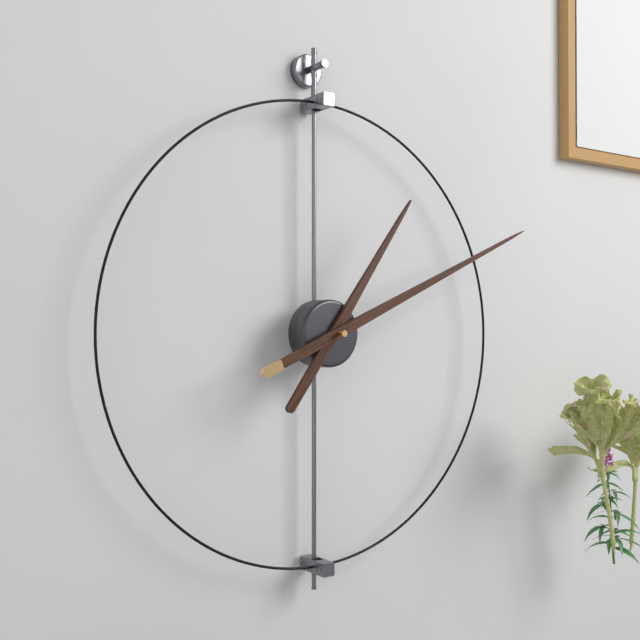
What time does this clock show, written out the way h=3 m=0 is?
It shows h=1 m=11
